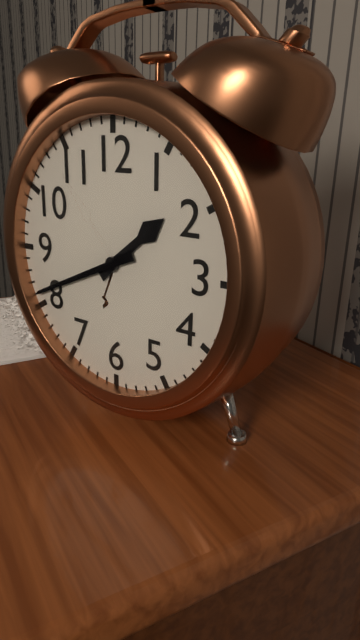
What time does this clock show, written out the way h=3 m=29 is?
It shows h=1 m=41
